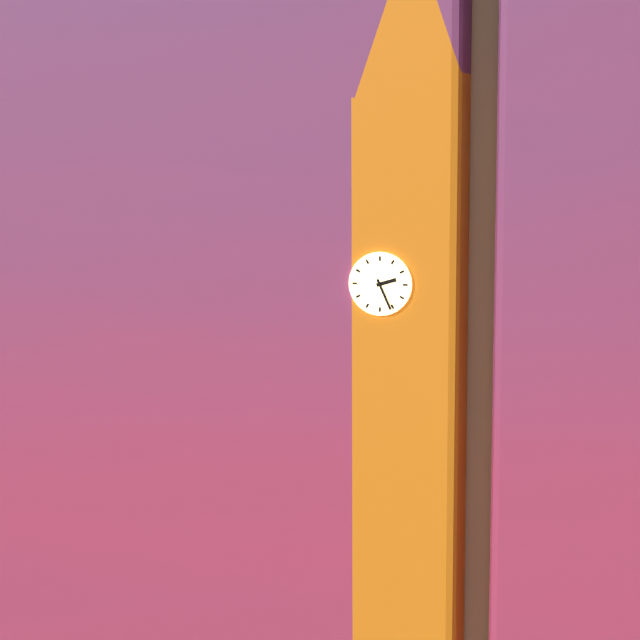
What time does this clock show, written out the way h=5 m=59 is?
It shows h=2 m=26
